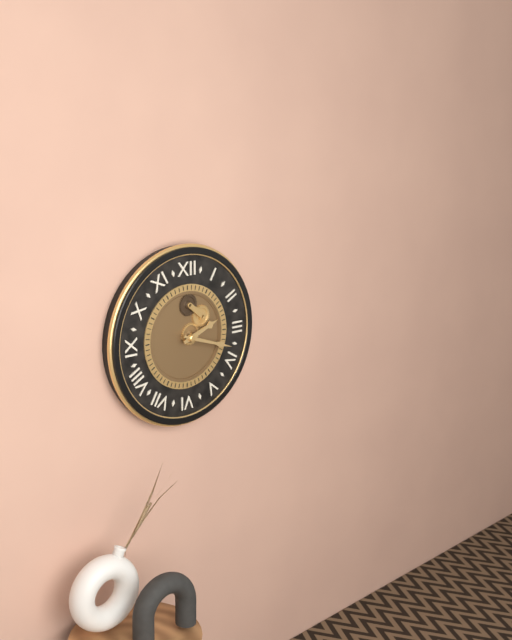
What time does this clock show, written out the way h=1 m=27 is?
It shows h=2 m=18
